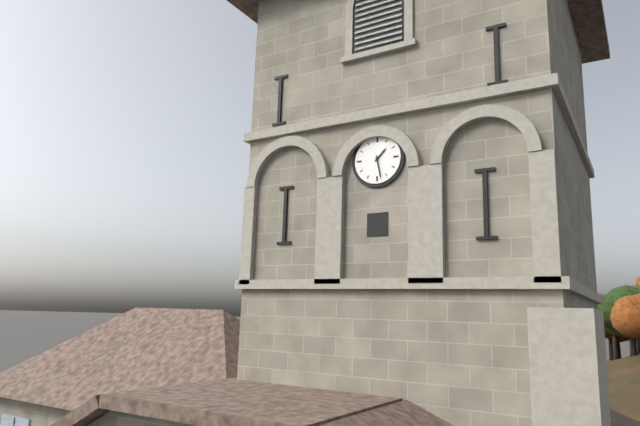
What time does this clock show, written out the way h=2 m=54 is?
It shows h=1 m=28
